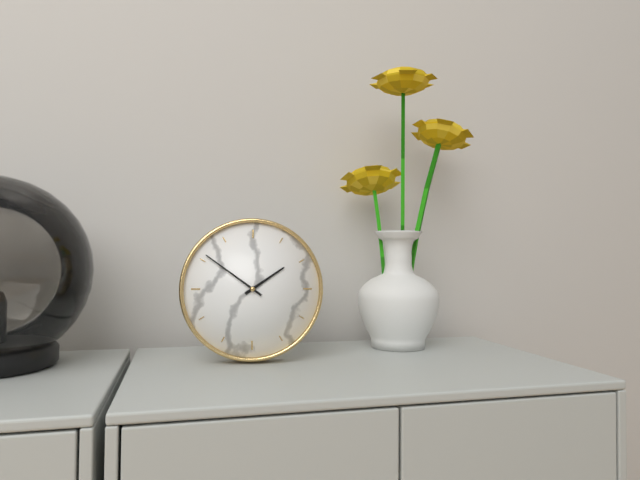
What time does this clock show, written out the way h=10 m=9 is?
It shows h=1 m=51
